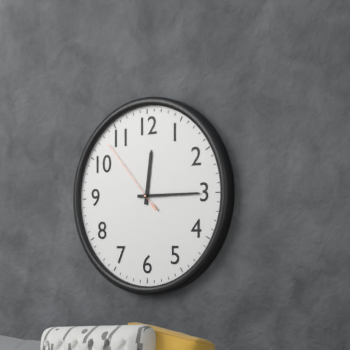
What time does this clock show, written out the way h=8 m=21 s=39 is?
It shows h=12 m=15 s=53
